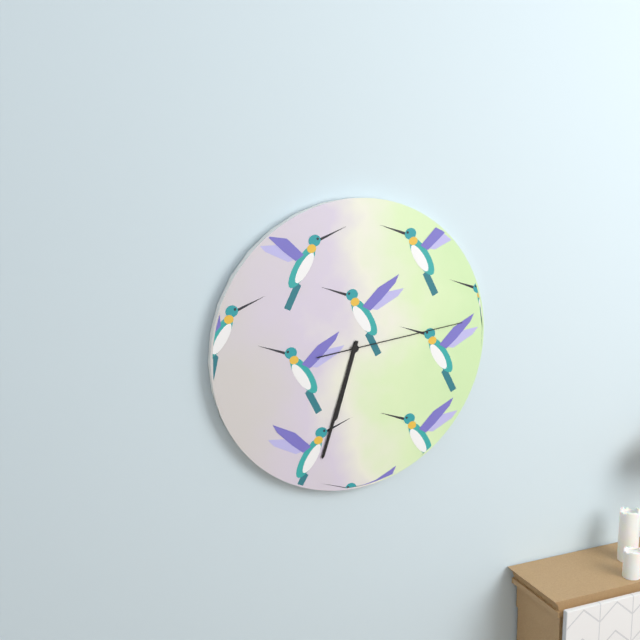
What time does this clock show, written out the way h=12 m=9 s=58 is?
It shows h=6 m=33 s=14
